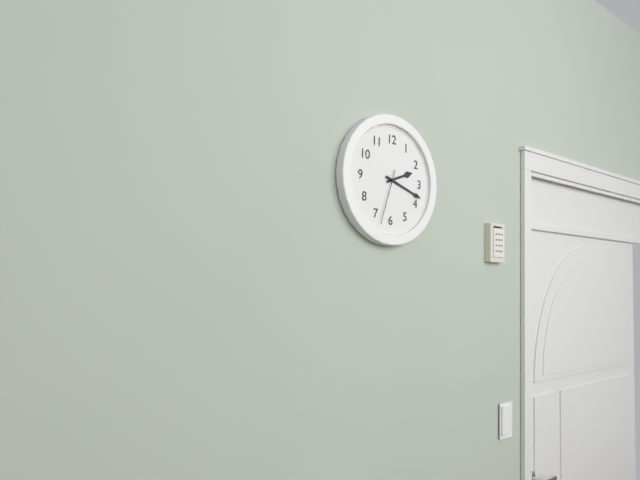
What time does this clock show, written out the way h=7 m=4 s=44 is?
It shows h=2 m=18 s=33
